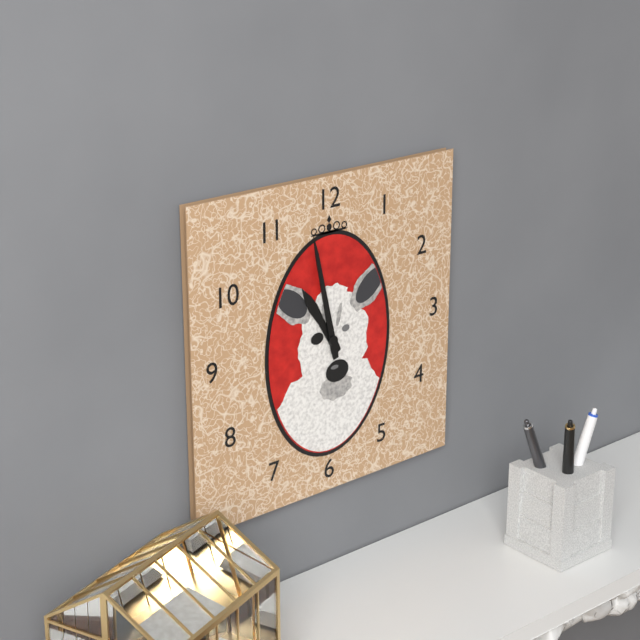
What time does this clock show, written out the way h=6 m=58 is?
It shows h=10 m=58
